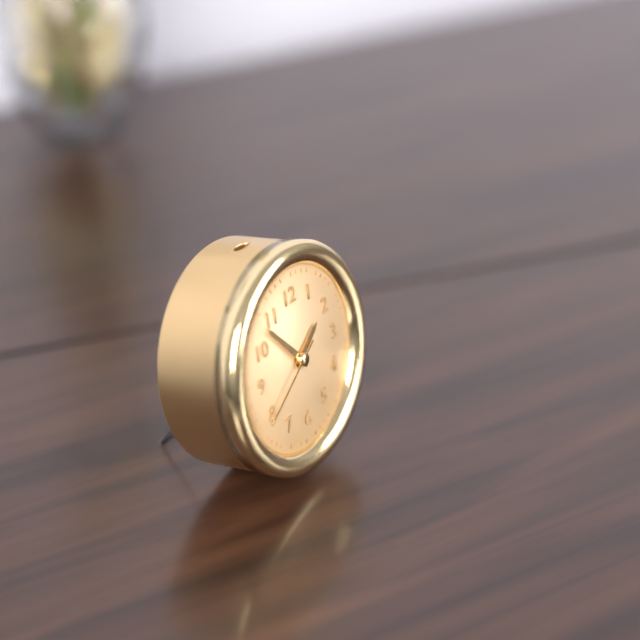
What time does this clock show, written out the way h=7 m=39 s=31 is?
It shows h=1 m=53 s=40
